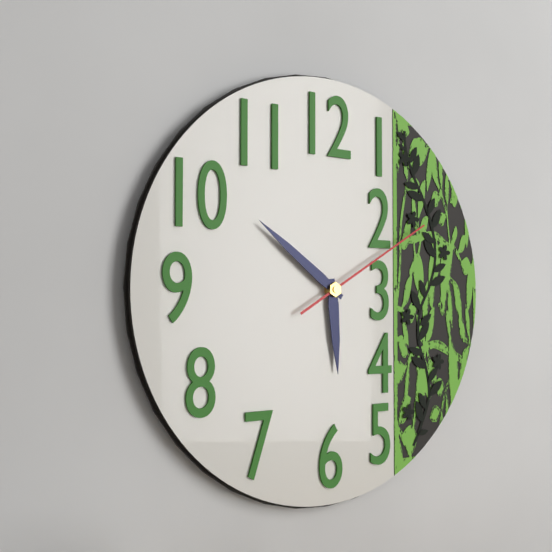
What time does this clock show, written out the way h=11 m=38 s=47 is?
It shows h=5 m=51 s=10
